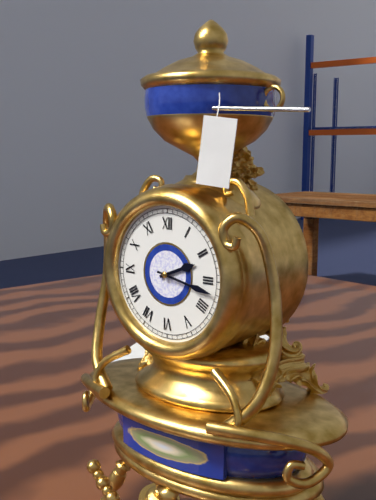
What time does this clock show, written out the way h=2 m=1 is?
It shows h=2 m=17
